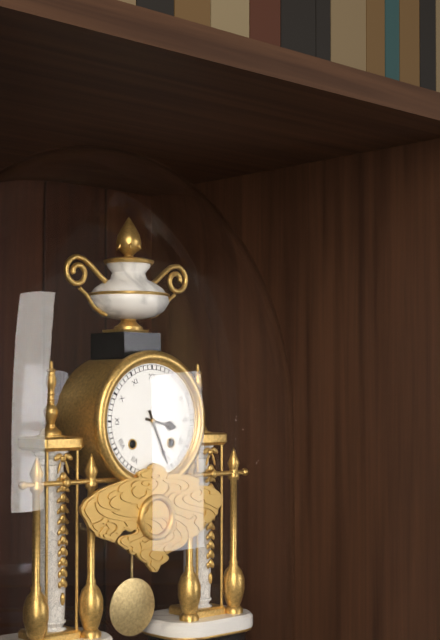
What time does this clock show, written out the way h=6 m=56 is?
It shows h=3 m=26
